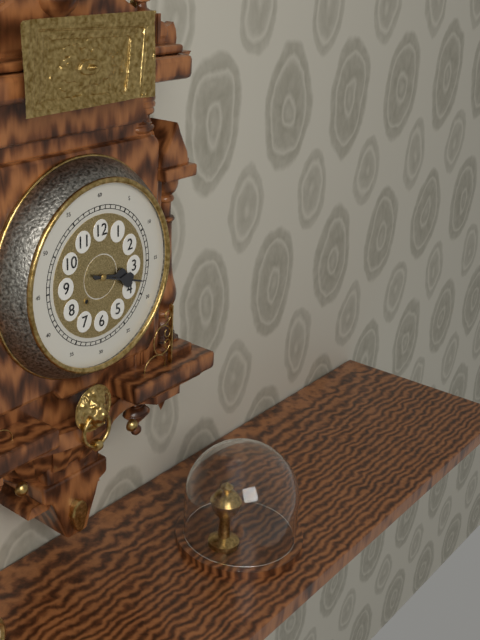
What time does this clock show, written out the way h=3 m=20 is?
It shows h=3 m=18
